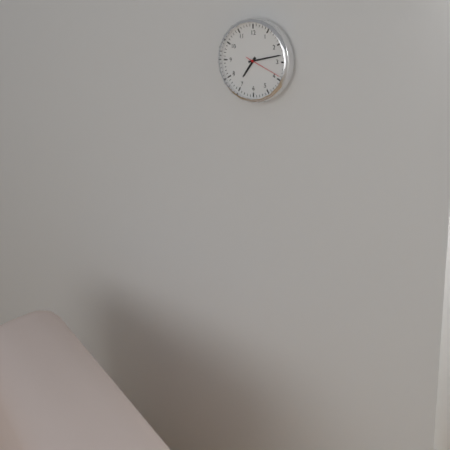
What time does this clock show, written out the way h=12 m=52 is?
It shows h=7 m=13
